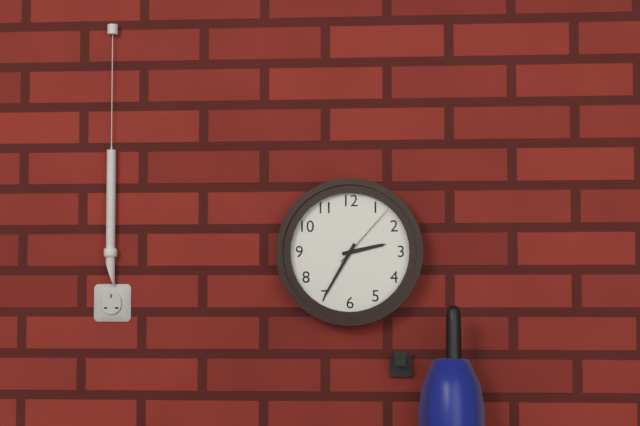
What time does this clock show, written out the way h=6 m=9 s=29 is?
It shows h=2 m=35 s=7
